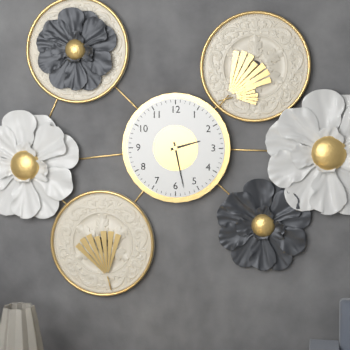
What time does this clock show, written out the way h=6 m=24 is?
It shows h=2 m=28
